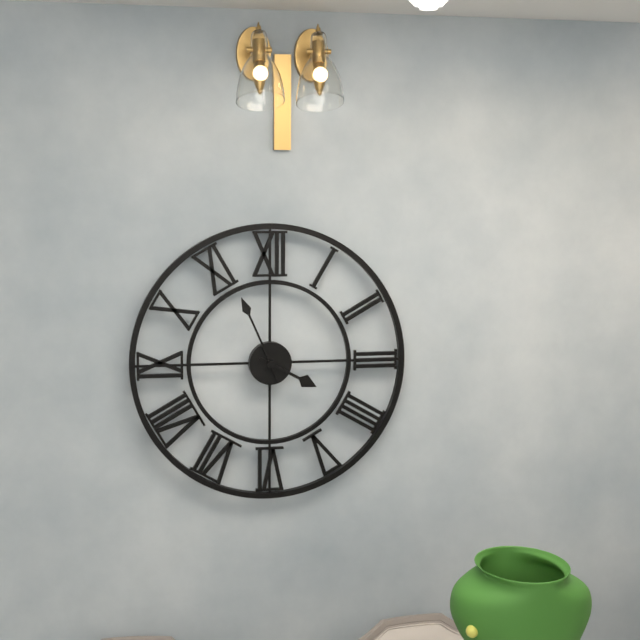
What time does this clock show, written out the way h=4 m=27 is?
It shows h=3 m=56
